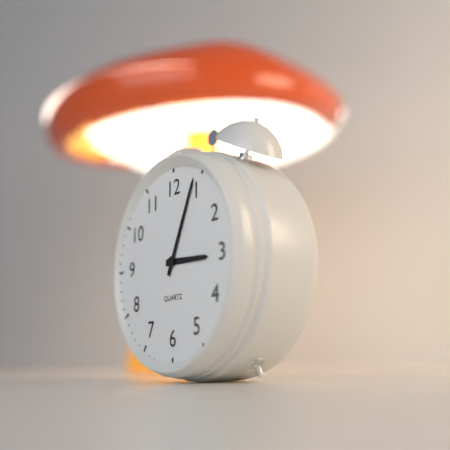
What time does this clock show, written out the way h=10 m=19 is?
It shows h=3 m=4
